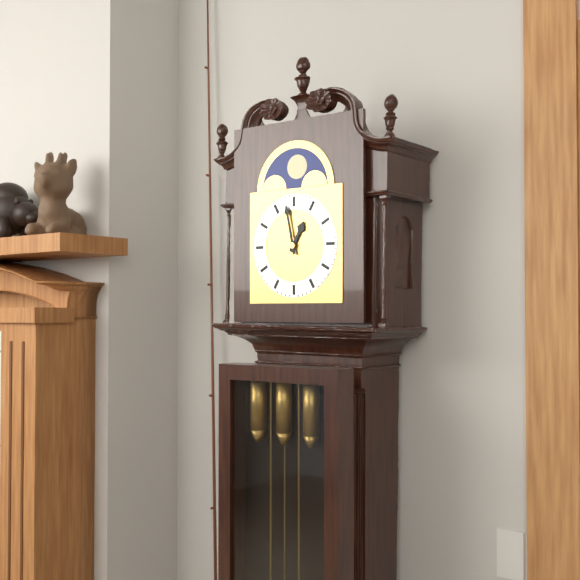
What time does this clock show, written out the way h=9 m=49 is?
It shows h=12 m=58
